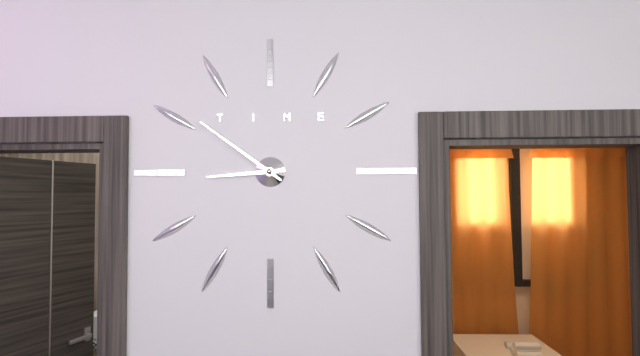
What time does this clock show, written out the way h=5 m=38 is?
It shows h=8 m=51
